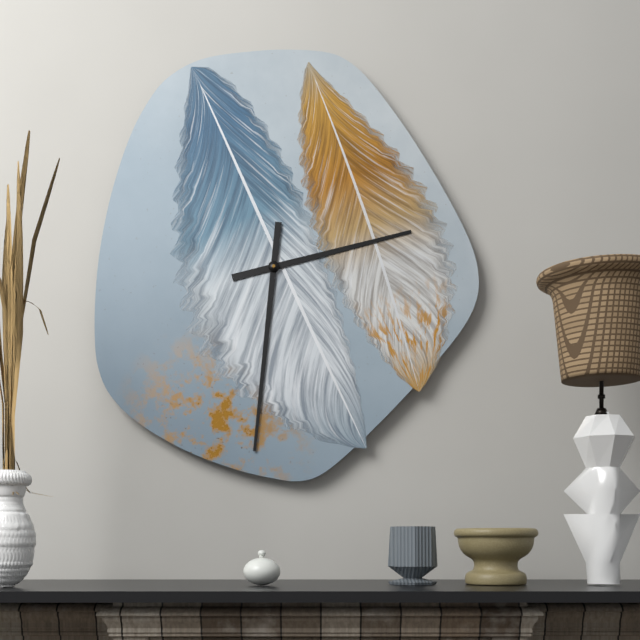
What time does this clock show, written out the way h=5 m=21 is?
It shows h=2 m=31
